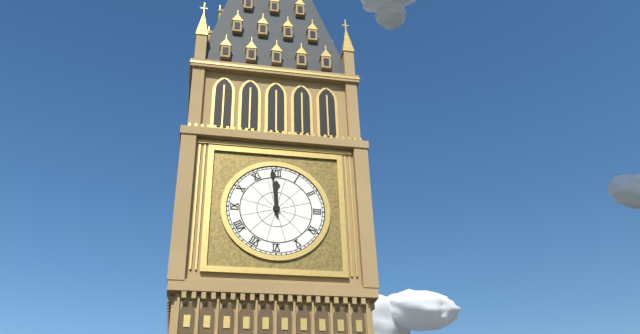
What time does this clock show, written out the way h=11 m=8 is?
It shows h=11 m=59
